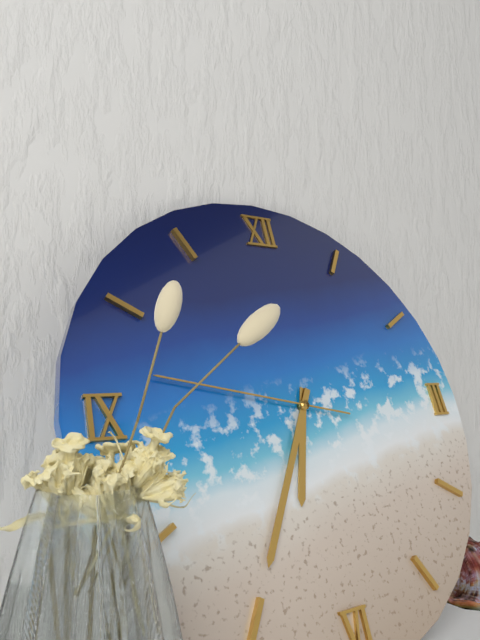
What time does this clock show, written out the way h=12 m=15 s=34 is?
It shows h=6 m=35 s=47
